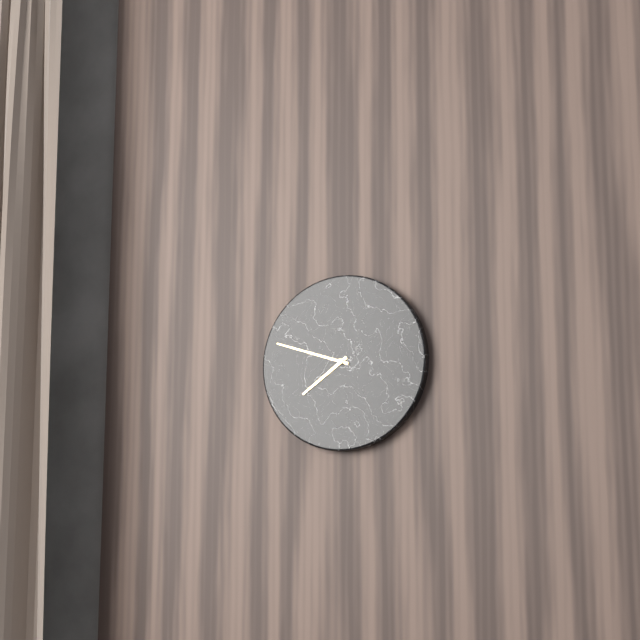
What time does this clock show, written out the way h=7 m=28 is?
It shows h=7 m=48
